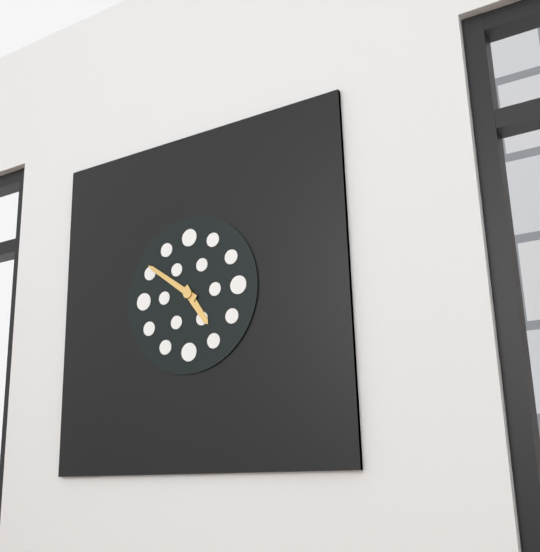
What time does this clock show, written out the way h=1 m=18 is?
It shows h=4 m=51
